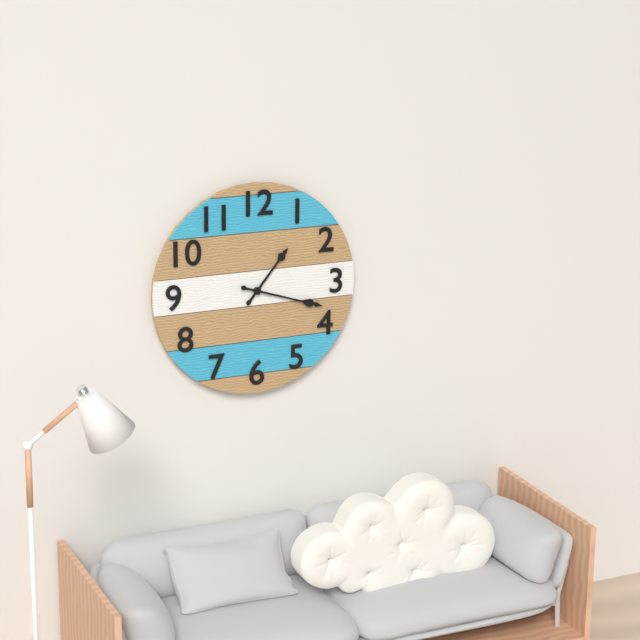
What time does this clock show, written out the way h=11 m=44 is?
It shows h=1 m=18
